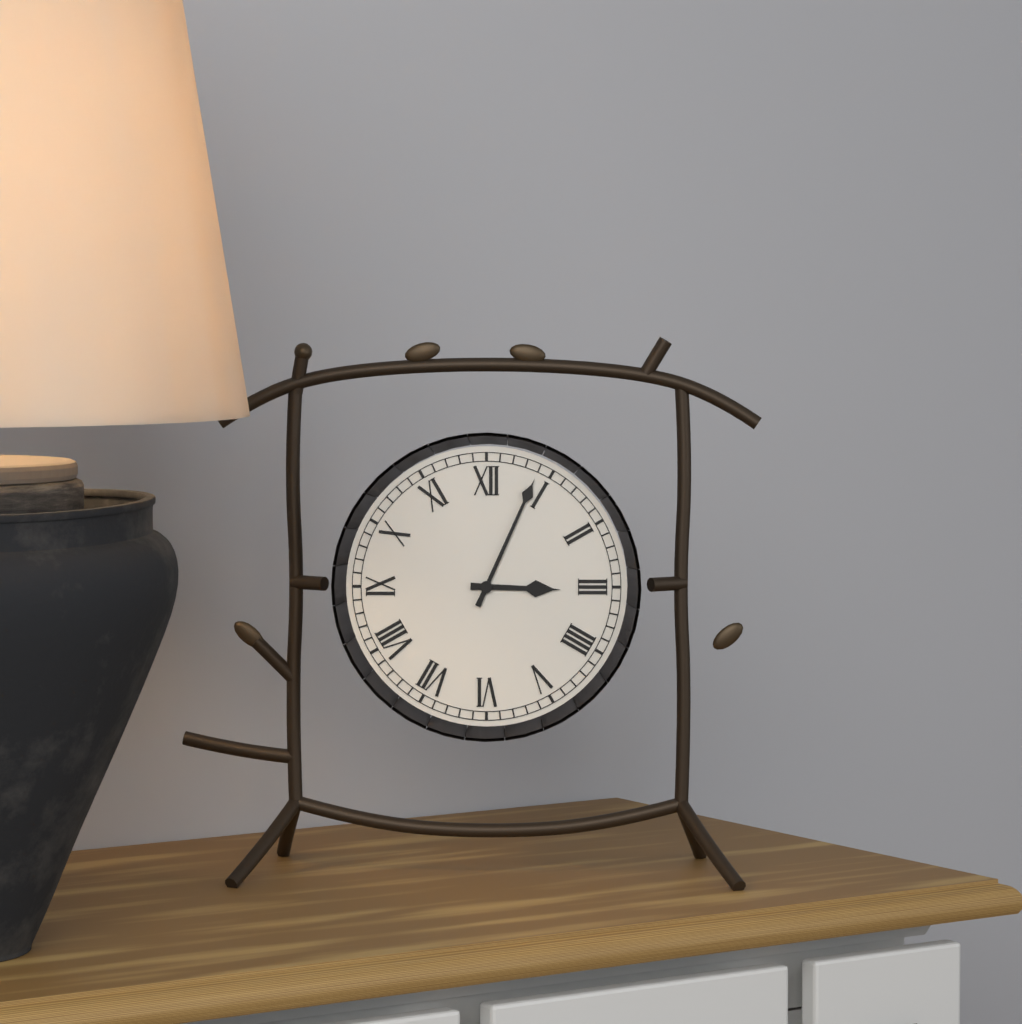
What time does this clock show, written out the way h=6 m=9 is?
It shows h=3 m=4
